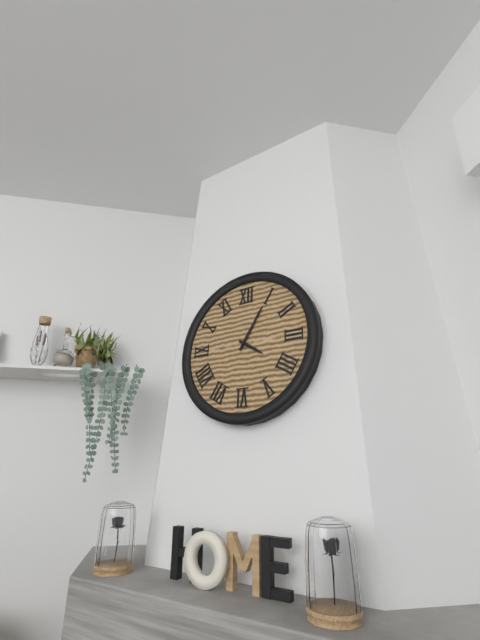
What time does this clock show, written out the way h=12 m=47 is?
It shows h=4 m=5
